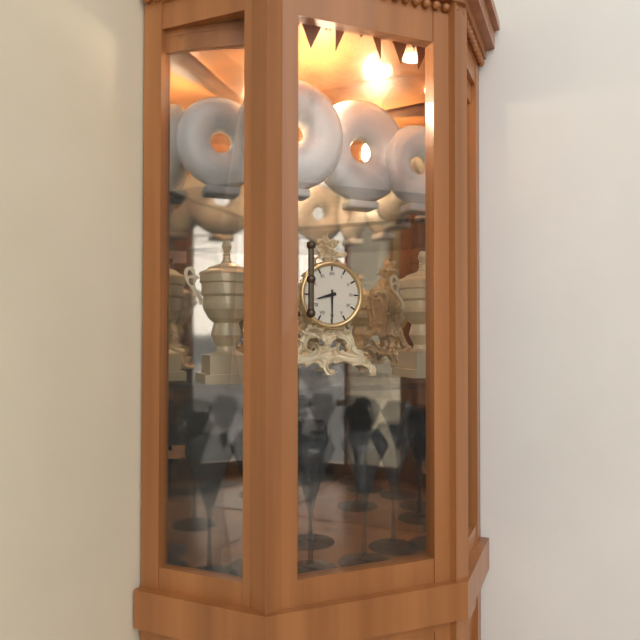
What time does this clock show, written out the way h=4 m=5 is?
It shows h=8 m=30
